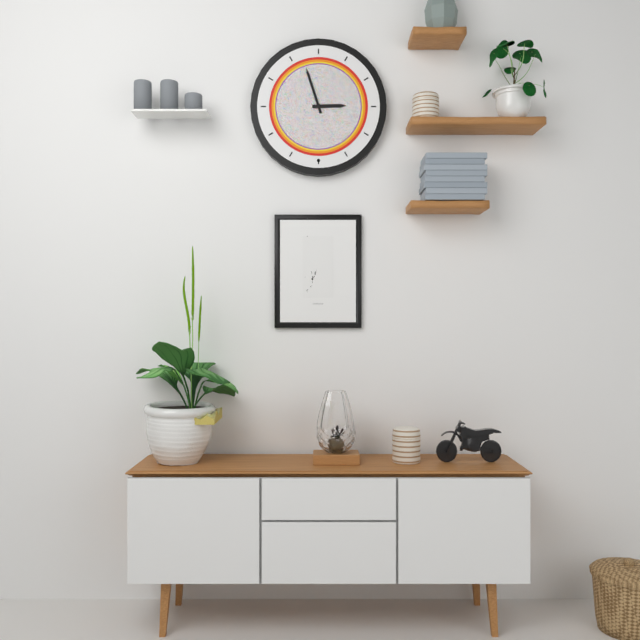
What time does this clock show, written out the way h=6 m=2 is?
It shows h=2 m=57
